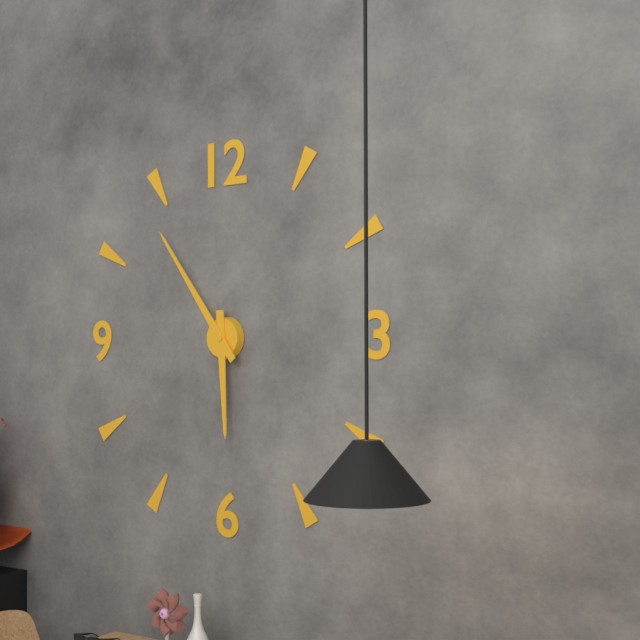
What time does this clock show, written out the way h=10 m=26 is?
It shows h=5 m=54
